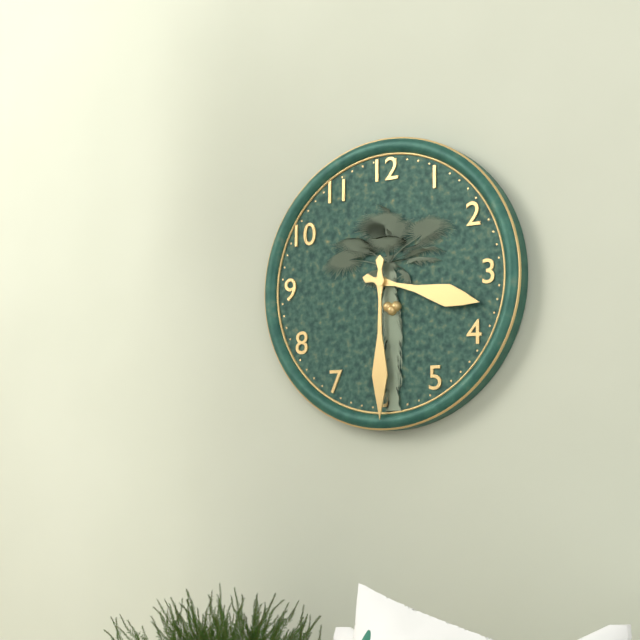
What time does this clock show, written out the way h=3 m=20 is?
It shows h=3 m=30
